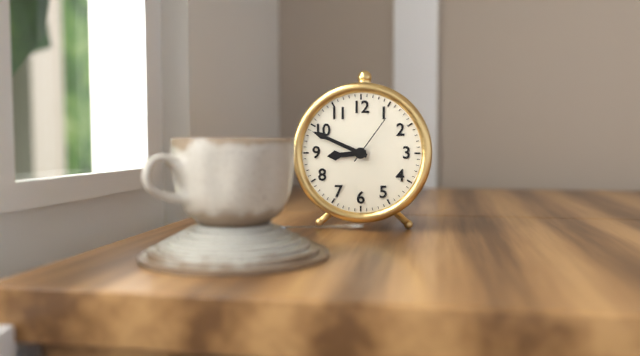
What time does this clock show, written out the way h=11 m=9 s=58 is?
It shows h=8 m=49 s=6
